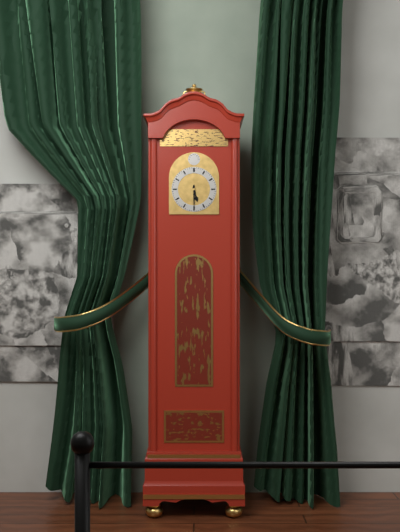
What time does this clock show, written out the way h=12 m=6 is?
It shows h=5 m=30
